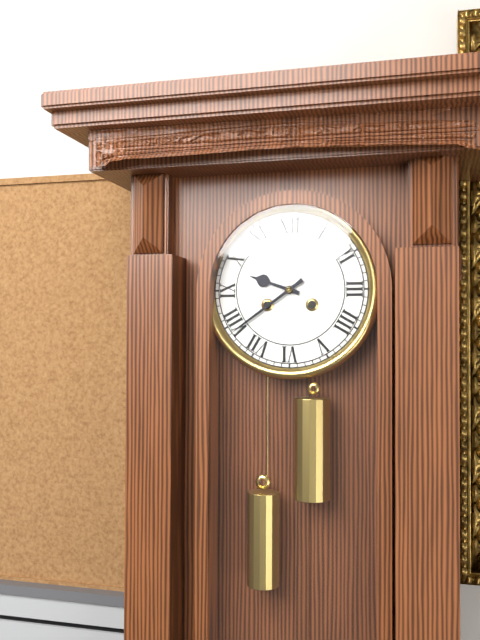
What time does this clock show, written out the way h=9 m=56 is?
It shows h=9 m=39
